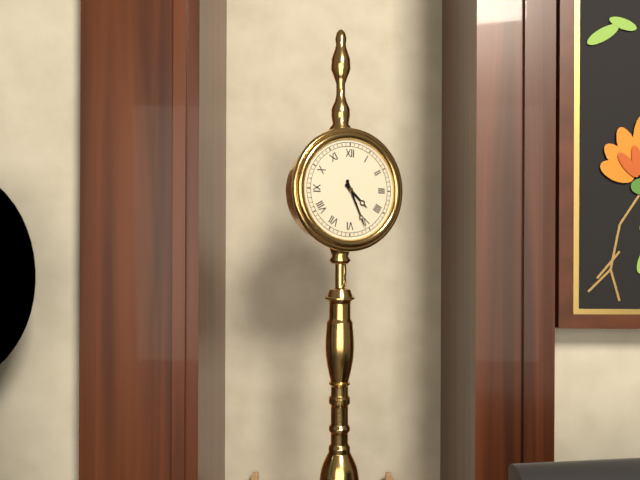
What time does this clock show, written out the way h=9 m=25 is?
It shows h=4 m=26
